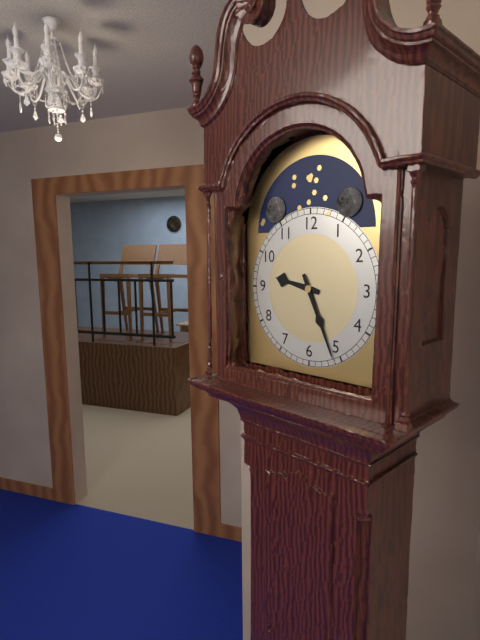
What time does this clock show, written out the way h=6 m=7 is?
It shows h=9 m=26
